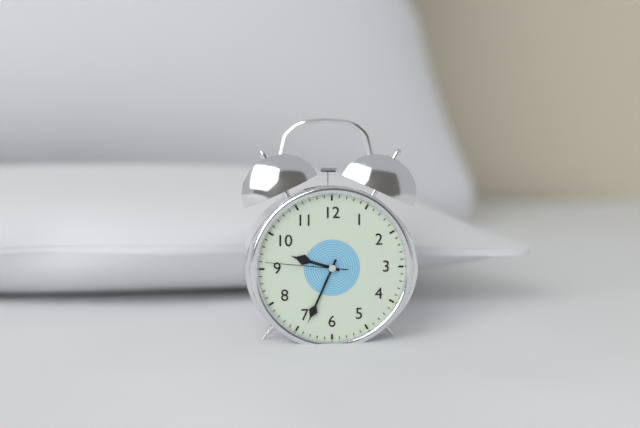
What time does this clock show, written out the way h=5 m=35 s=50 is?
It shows h=9 m=34 s=46
